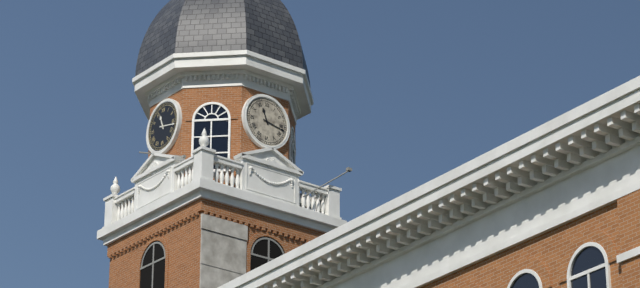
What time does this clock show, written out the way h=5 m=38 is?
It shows h=11 m=17
